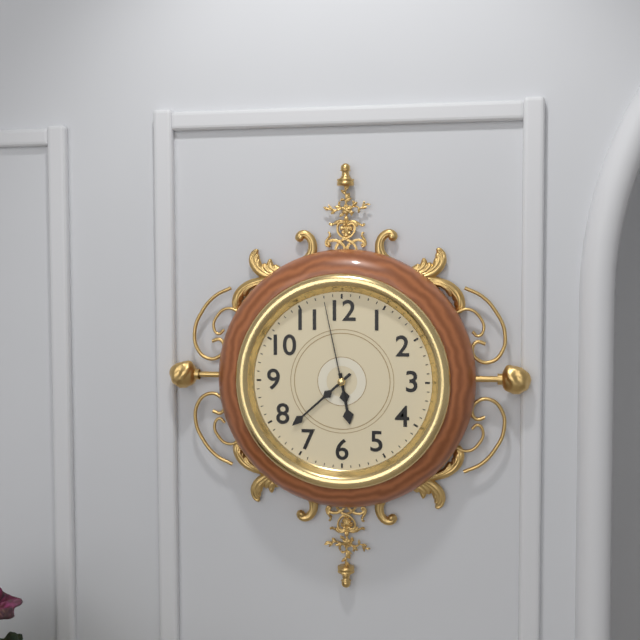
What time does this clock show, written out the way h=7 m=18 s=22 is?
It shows h=5 m=38 s=58
